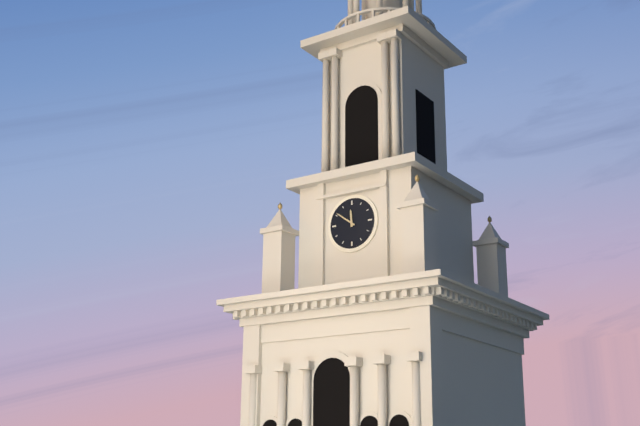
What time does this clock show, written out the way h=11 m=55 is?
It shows h=11 m=51
